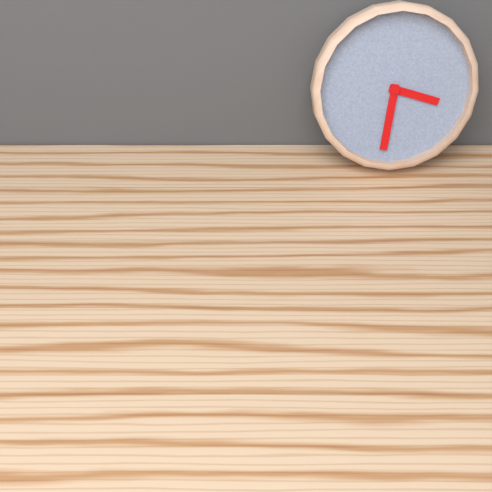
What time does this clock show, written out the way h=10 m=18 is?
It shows h=3 m=31
